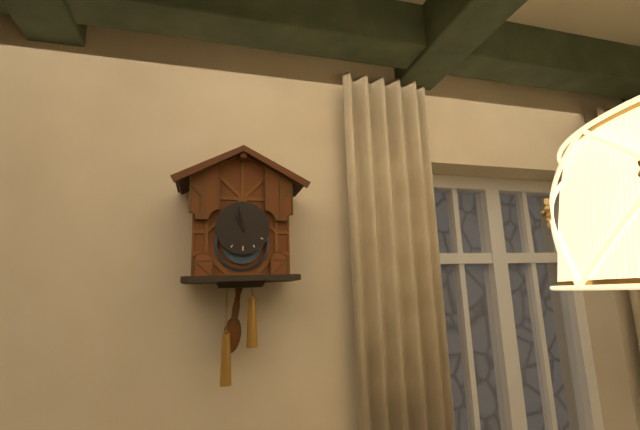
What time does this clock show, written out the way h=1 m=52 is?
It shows h=10 m=58
